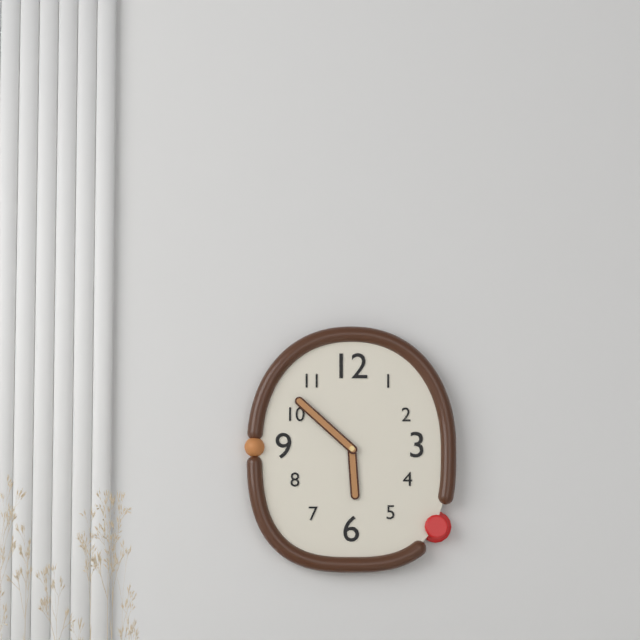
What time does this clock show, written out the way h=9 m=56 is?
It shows h=5 m=52
